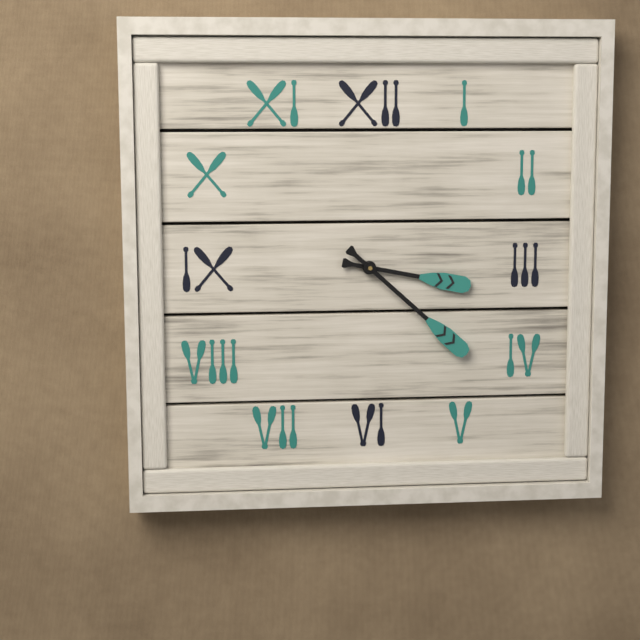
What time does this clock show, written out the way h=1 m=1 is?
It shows h=3 m=22
